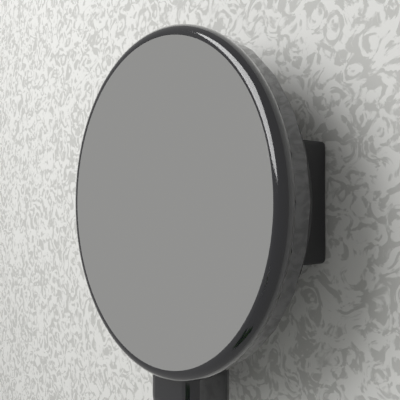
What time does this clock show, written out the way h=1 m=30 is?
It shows h=3 m=51
